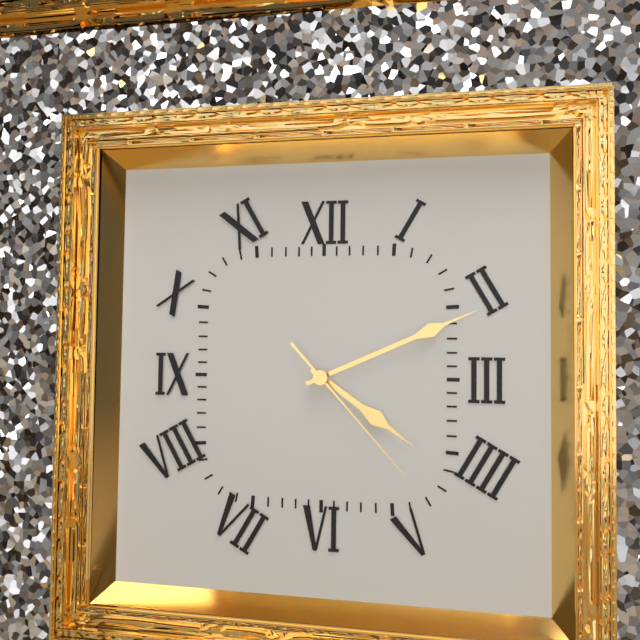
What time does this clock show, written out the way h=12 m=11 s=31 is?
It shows h=4 m=11 s=23
